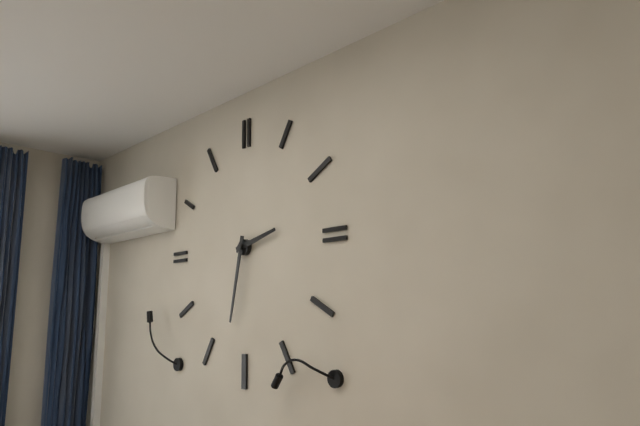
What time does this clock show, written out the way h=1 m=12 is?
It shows h=2 m=32
